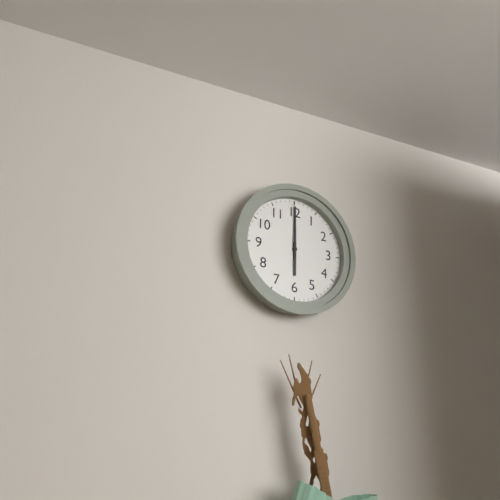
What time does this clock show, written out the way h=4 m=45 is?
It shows h=6 m=0
